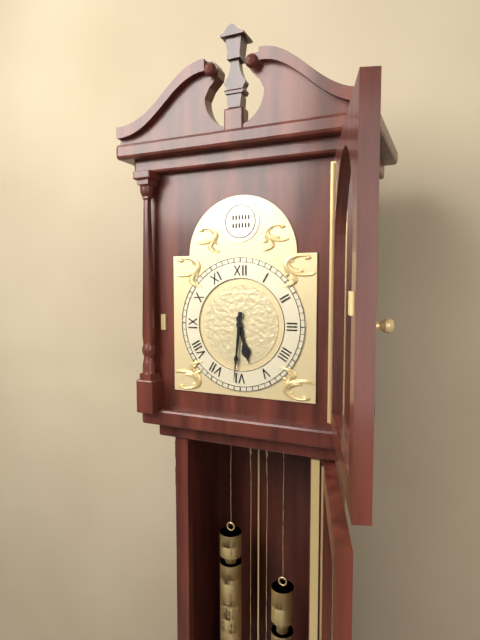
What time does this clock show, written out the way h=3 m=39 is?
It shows h=5 m=31
